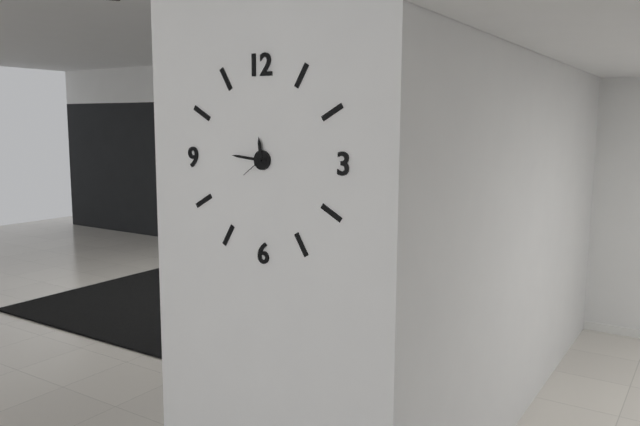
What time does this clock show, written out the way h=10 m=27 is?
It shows h=11 m=46
